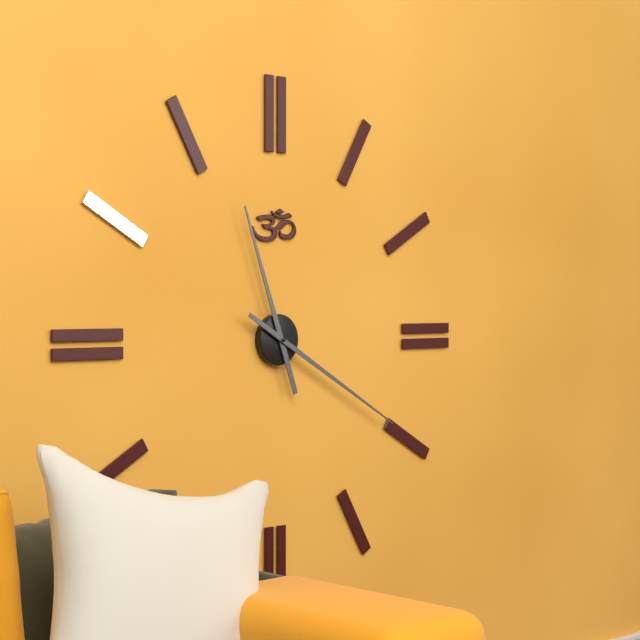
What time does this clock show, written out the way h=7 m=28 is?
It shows h=11 m=20
